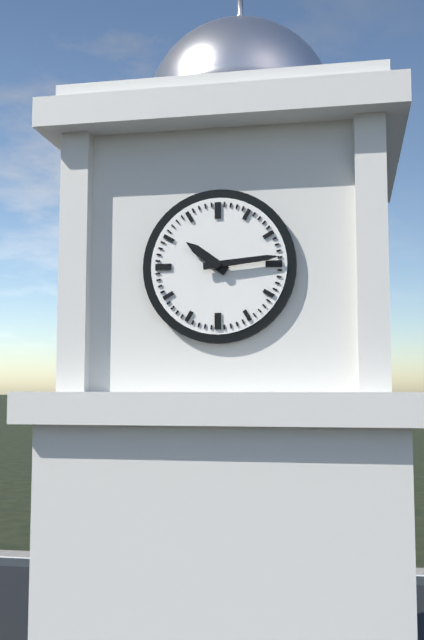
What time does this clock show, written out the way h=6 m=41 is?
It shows h=10 m=14
